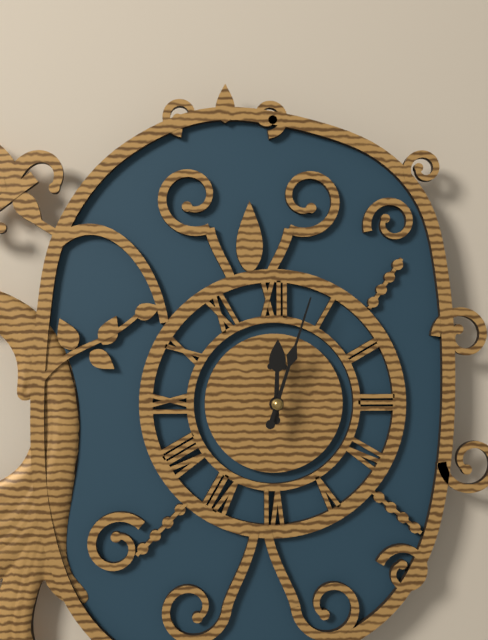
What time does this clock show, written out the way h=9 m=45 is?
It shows h=12 m=3
